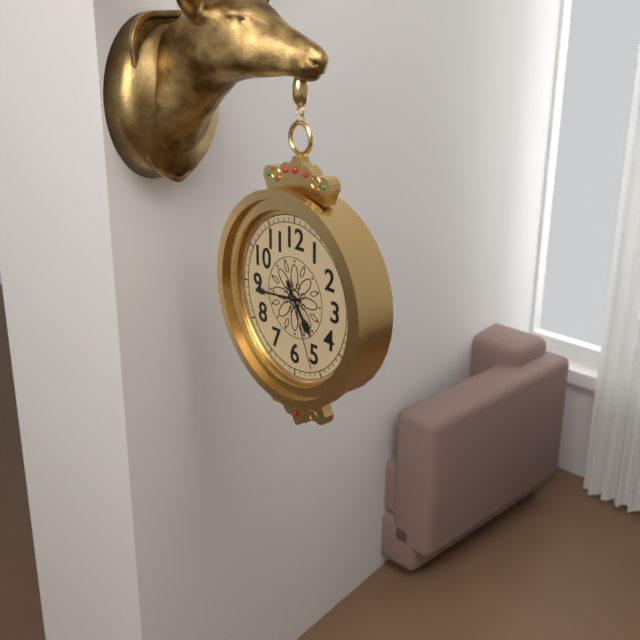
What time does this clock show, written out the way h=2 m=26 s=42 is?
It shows h=4 m=44 s=26
